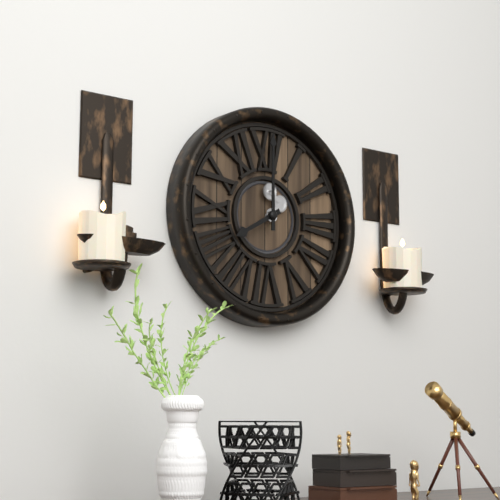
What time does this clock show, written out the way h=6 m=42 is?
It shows h=8 m=0
